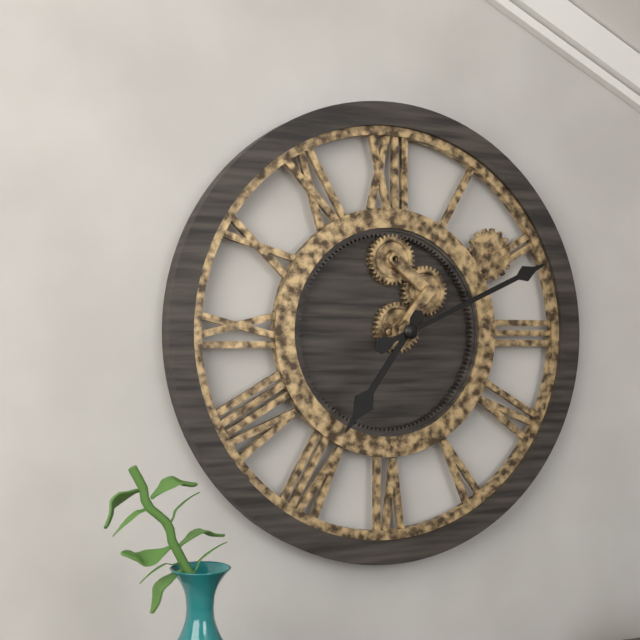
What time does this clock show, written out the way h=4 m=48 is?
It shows h=7 m=11
